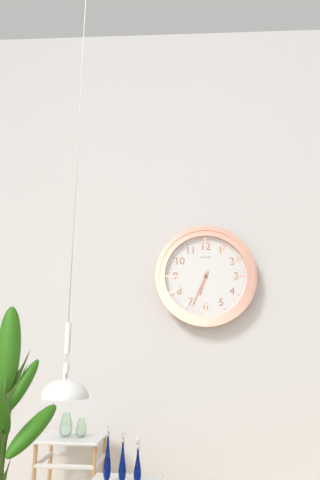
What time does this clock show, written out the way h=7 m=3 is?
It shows h=6 m=34
